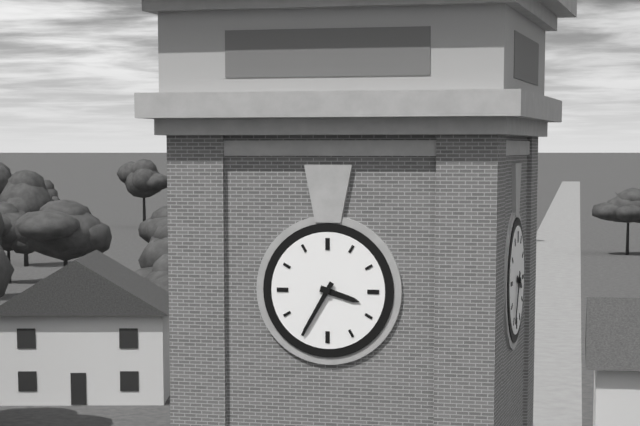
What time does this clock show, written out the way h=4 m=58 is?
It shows h=3 m=35
